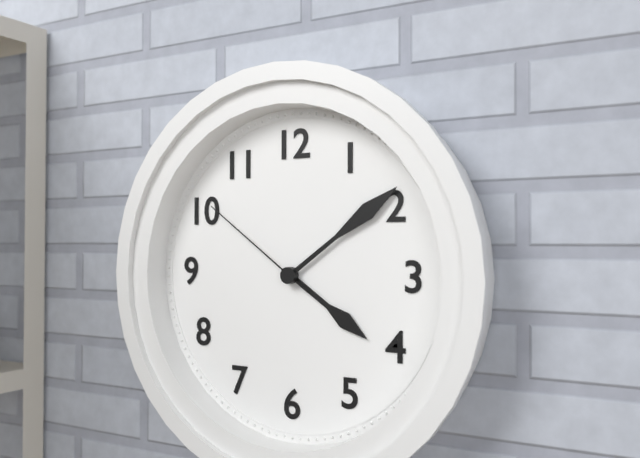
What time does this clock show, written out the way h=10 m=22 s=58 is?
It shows h=4 m=9 s=51
